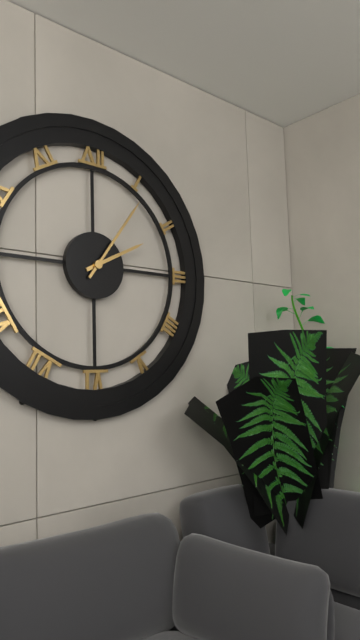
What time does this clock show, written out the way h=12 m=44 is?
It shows h=2 m=6
